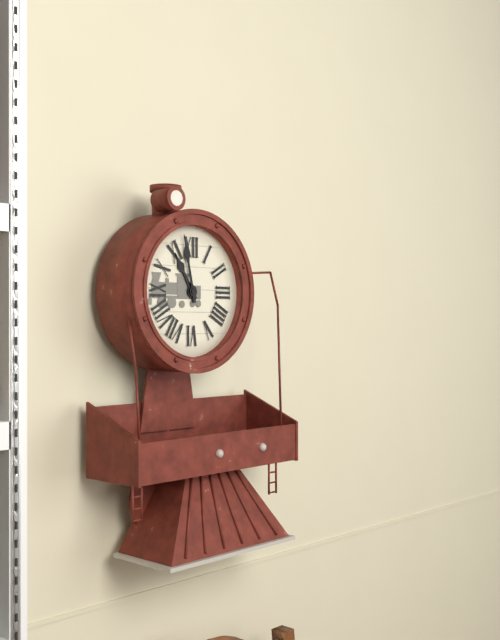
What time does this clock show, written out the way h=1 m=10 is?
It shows h=10 m=58
